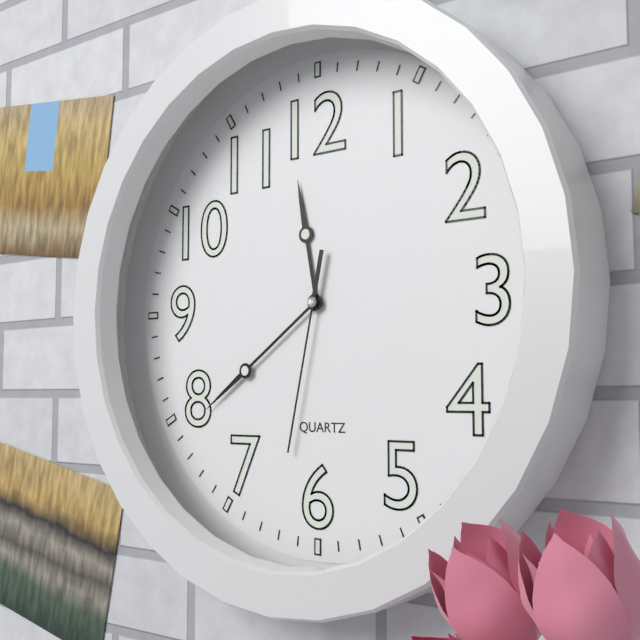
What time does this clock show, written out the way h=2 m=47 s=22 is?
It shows h=11 m=39 s=32
